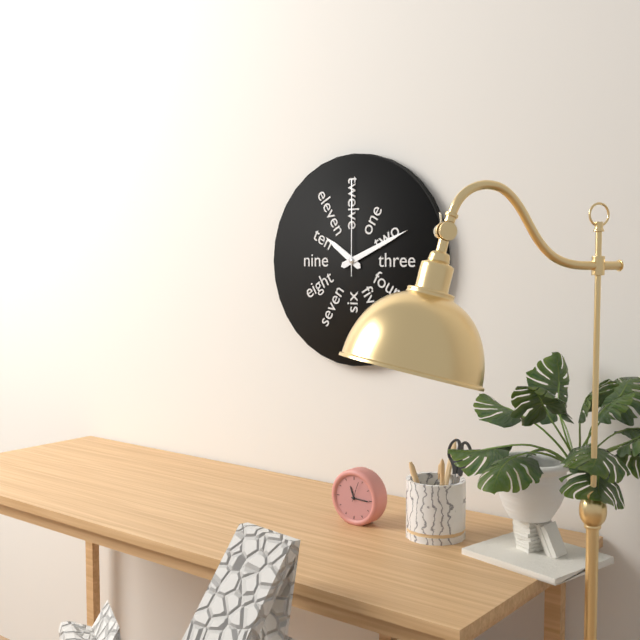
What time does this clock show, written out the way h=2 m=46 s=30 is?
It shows h=10 m=11 s=0
